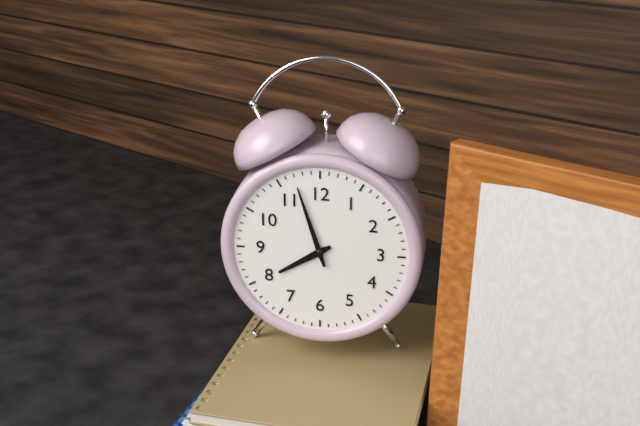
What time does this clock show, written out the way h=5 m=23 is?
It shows h=7 m=57
